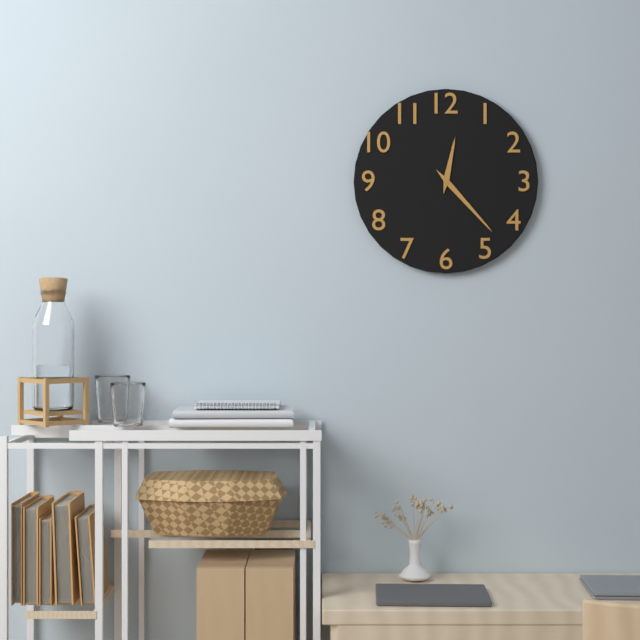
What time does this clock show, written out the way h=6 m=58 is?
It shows h=12 m=23
